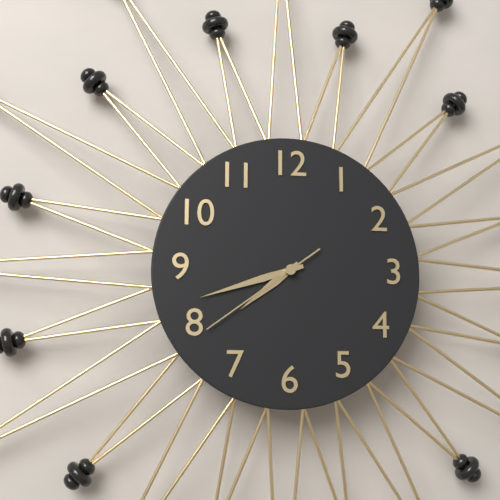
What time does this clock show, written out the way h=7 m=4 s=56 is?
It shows h=7 m=42 s=39
